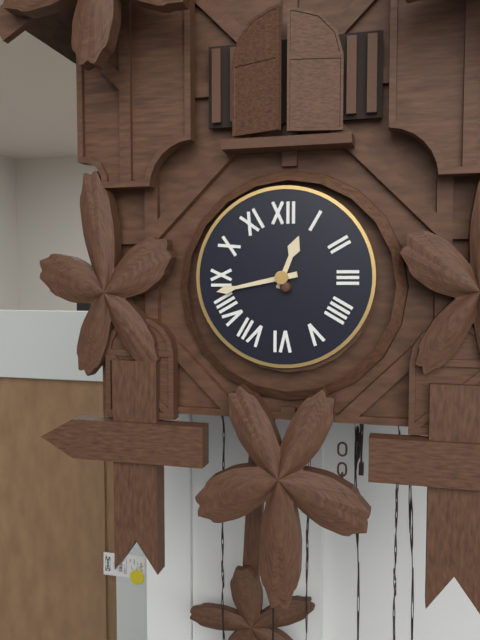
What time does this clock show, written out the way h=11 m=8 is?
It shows h=12 m=43
